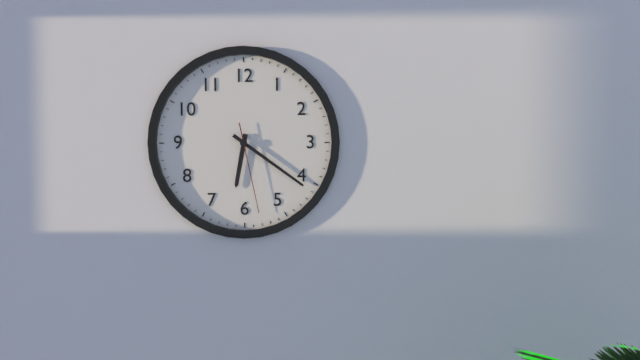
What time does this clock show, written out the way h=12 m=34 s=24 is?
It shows h=6 m=21 s=28
